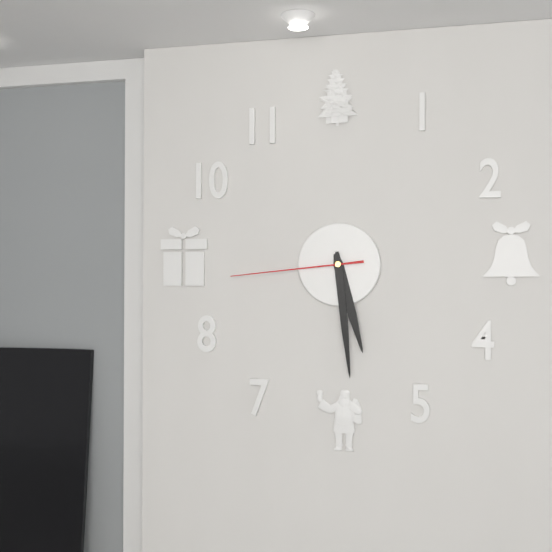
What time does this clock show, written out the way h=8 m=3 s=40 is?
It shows h=5 m=29 s=44
